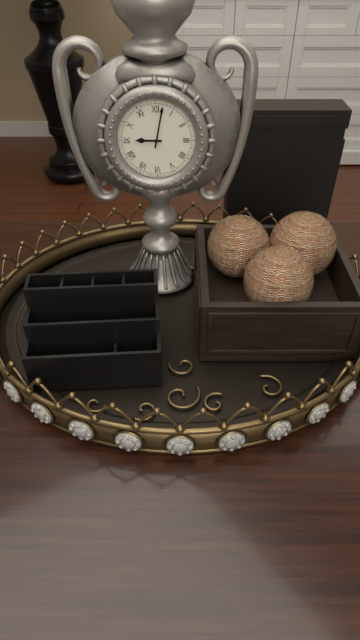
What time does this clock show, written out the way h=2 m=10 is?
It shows h=9 m=2
